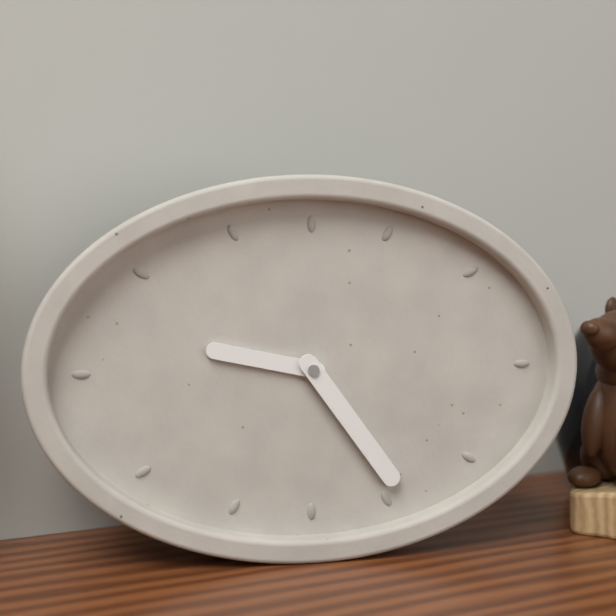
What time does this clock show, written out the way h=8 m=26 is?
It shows h=9 m=24
